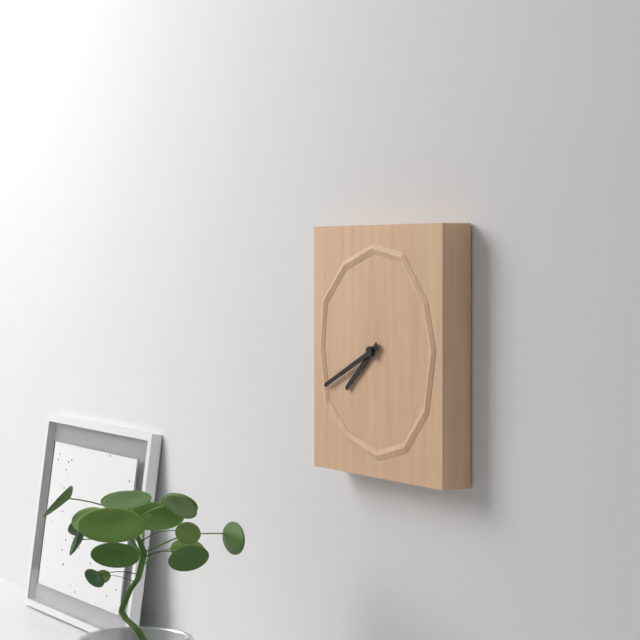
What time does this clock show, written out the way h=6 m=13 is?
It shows h=7 m=41
